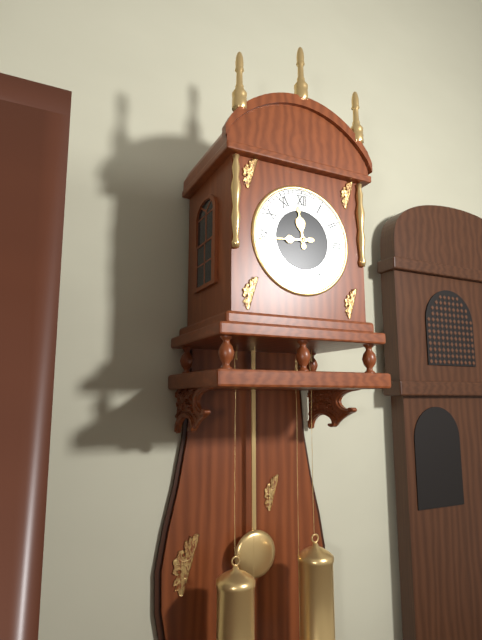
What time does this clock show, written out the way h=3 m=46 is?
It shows h=11 m=44
